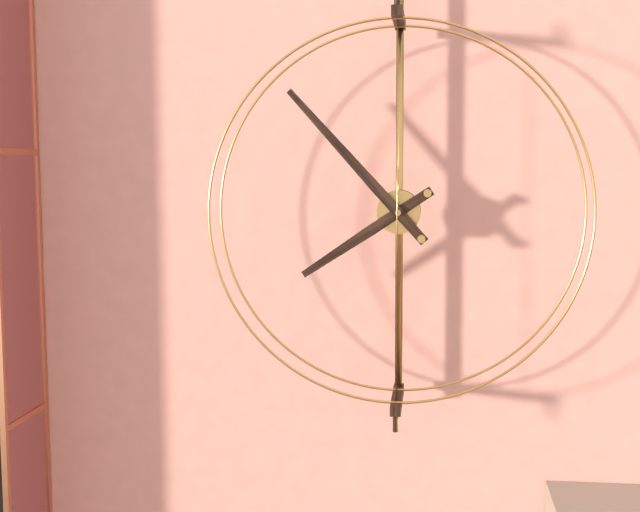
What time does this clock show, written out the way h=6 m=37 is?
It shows h=7 m=53
